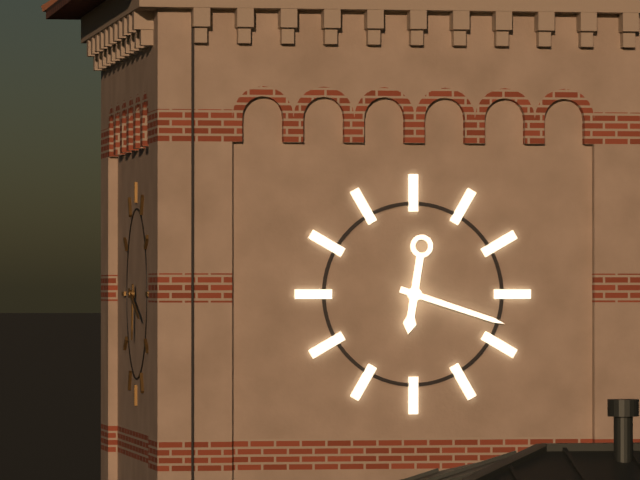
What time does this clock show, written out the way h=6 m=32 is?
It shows h=6 m=18
